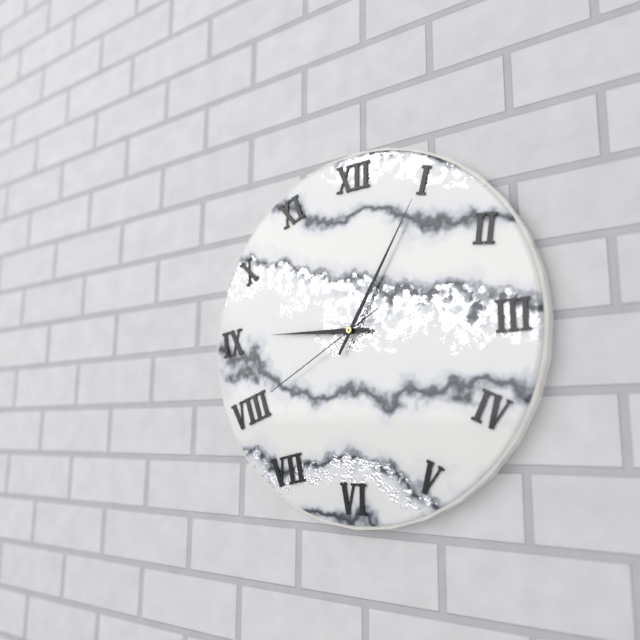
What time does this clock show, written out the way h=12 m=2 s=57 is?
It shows h=9 m=5 s=40
